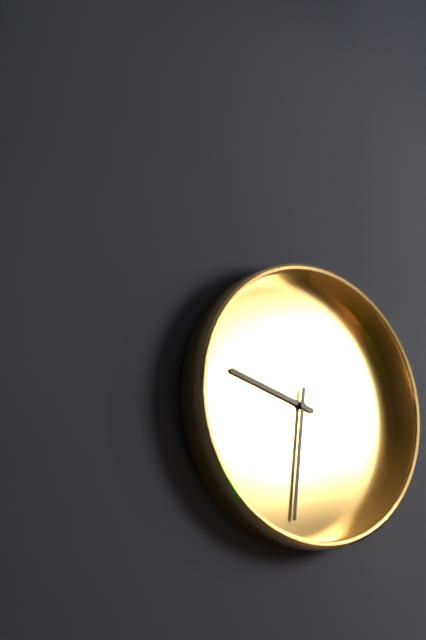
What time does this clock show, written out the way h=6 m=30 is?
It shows h=9 m=31
